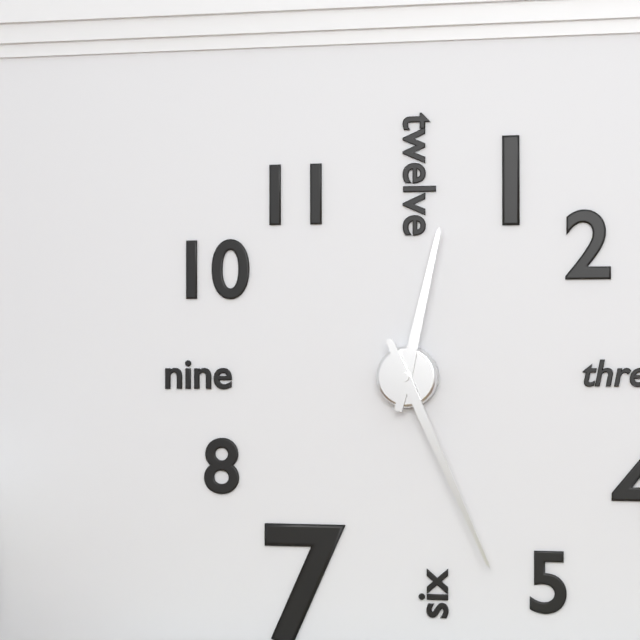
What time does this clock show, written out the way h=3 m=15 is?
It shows h=12 m=26
